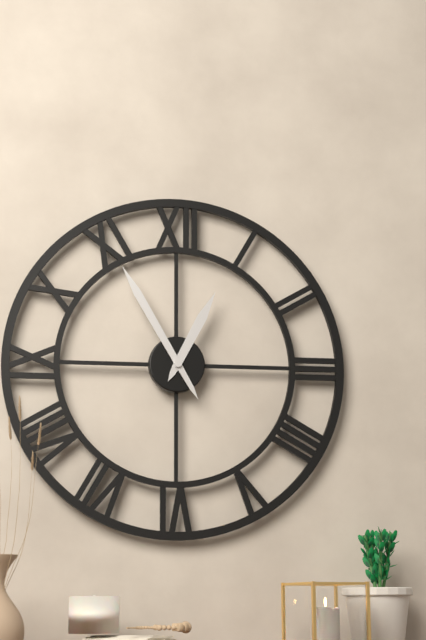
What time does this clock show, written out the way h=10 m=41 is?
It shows h=12 m=55
